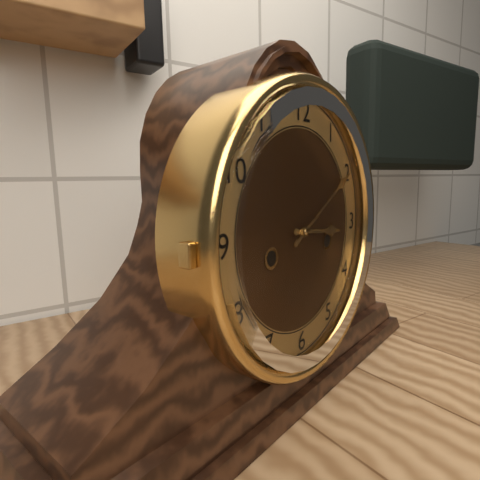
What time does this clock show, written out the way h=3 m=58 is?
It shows h=3 m=10
